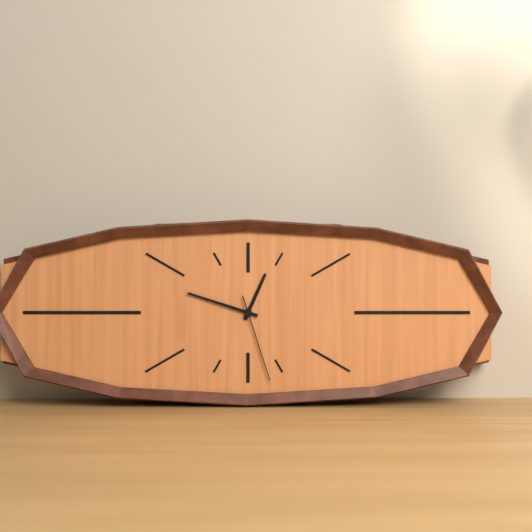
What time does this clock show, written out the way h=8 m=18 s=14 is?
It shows h=12 m=48 s=27
